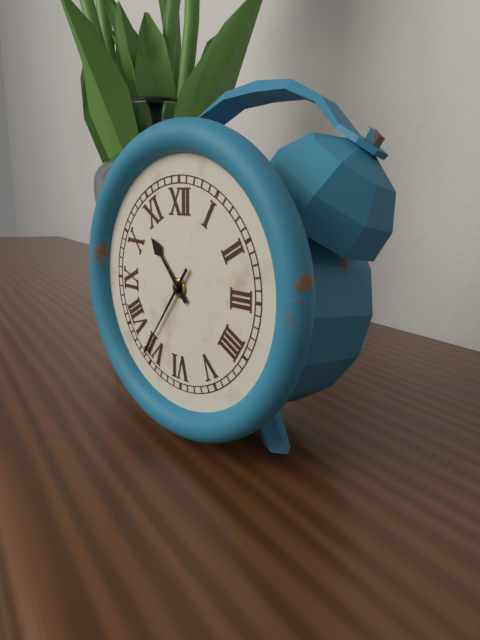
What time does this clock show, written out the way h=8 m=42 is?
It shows h=10 m=36
